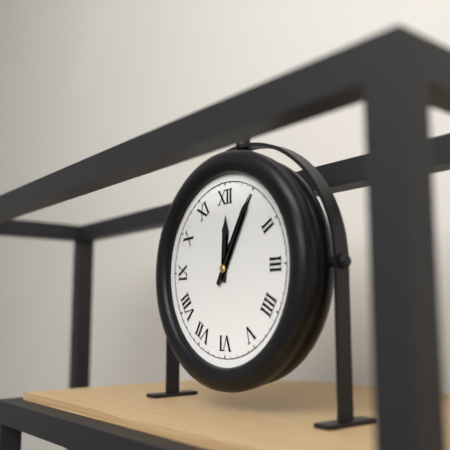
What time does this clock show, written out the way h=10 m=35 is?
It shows h=12 m=5
